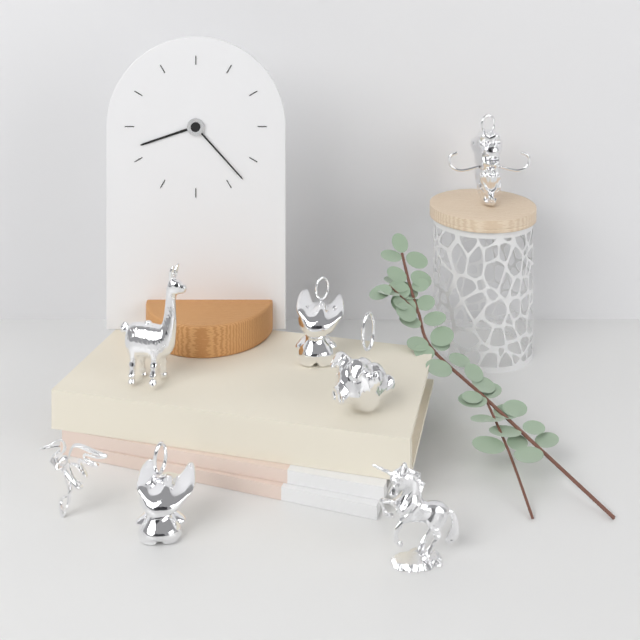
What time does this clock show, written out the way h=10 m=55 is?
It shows h=8 m=23
